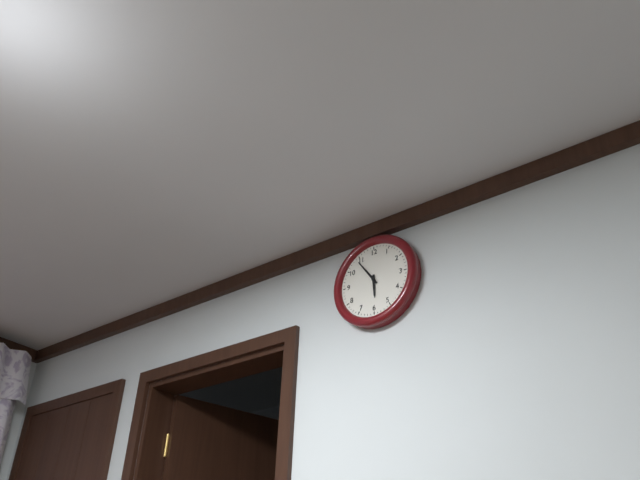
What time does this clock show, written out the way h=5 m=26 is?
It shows h=5 m=54
